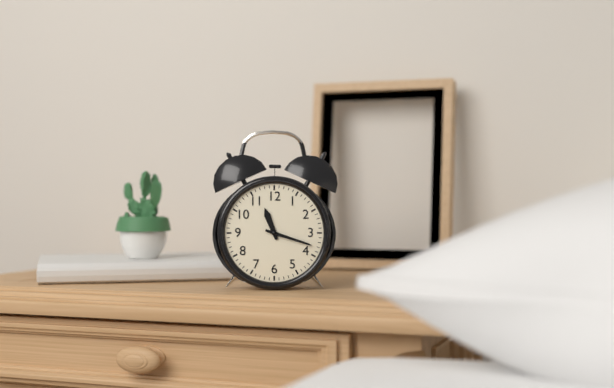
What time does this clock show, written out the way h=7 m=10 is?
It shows h=11 m=18
